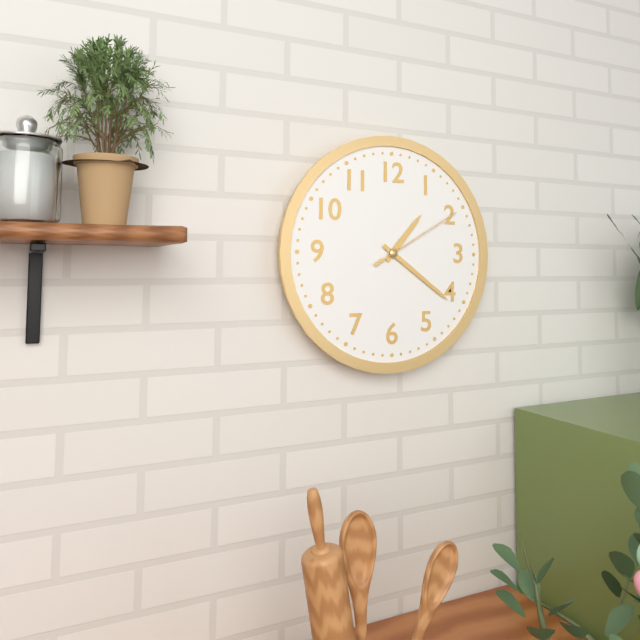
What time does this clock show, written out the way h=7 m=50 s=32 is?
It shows h=1 m=21 s=10
